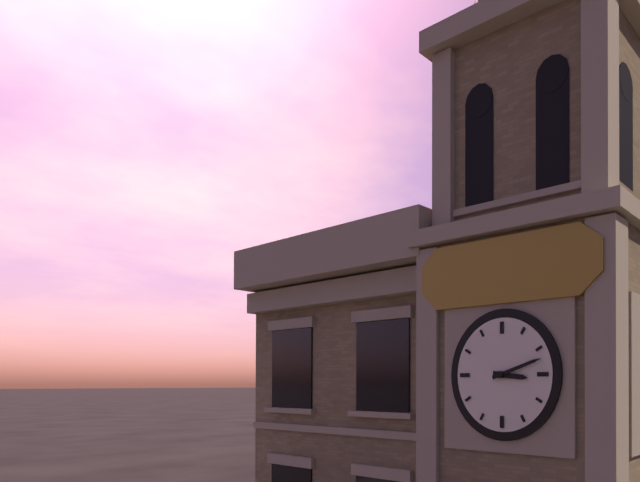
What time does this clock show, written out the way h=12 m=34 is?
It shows h=3 m=12
